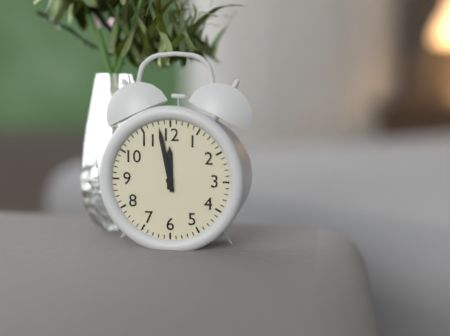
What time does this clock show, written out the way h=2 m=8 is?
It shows h=11 m=58
